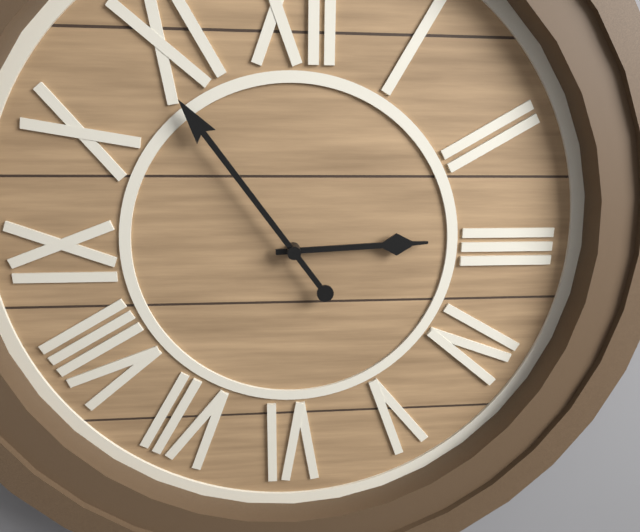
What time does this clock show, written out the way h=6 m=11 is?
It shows h=2 m=54
